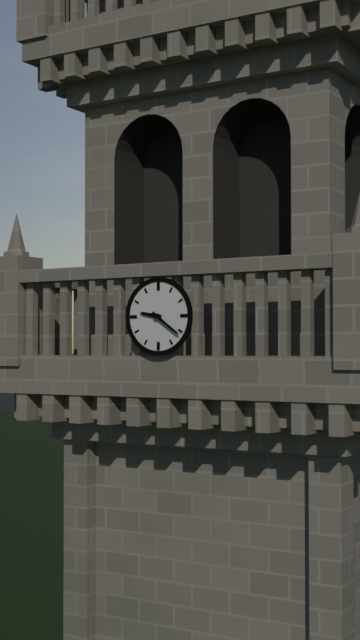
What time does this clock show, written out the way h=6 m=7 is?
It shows h=9 m=21
